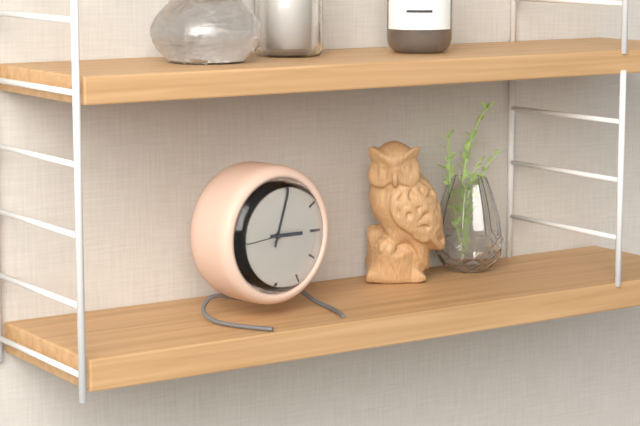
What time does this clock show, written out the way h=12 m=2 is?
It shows h=3 m=3
